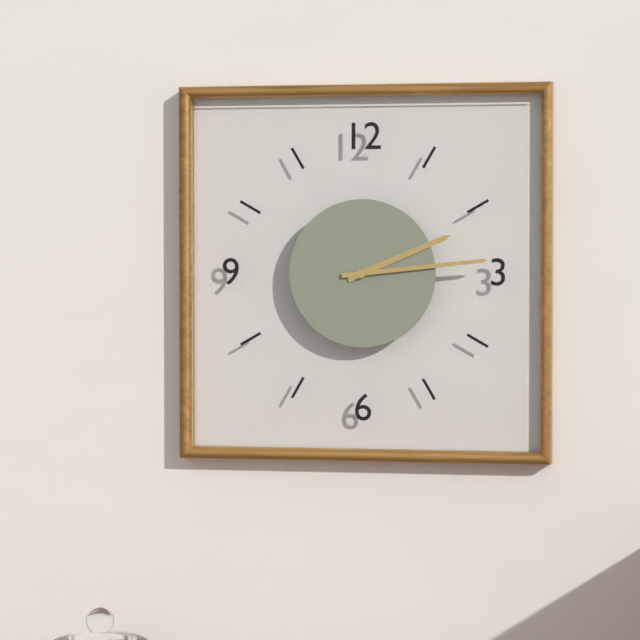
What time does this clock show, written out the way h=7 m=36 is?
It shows h=2 m=14
